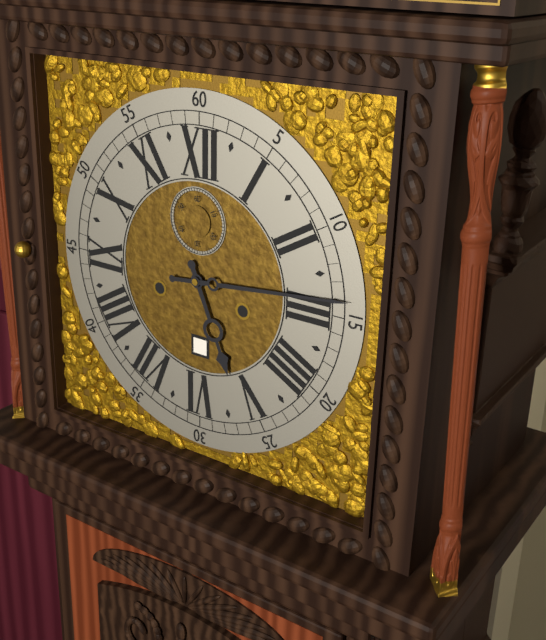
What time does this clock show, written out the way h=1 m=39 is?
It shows h=5 m=14
